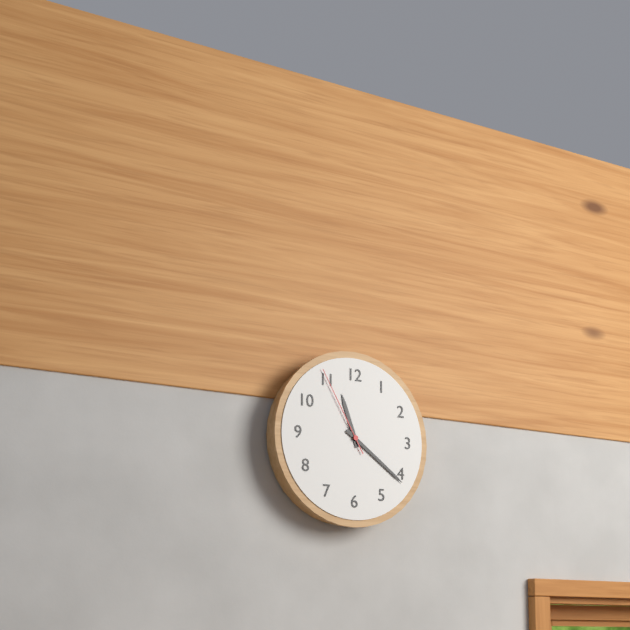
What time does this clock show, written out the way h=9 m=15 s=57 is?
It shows h=11 m=21 s=55
